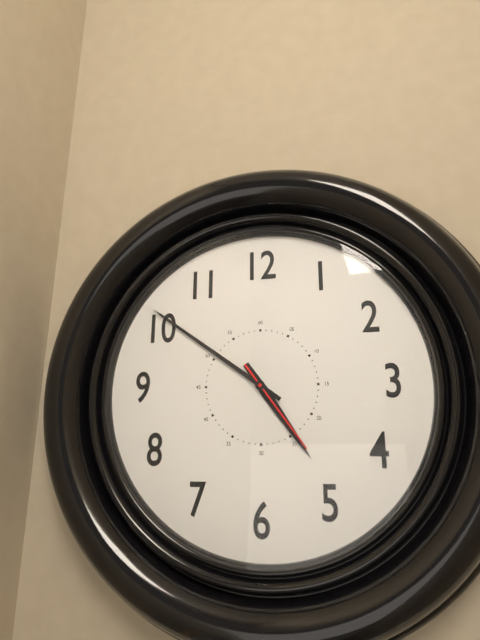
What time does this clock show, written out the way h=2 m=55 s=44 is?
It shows h=4 m=51 s=24
